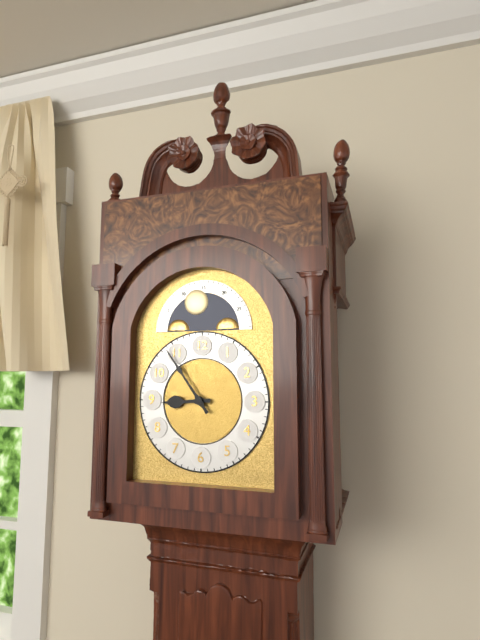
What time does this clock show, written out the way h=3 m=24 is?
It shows h=8 m=54
